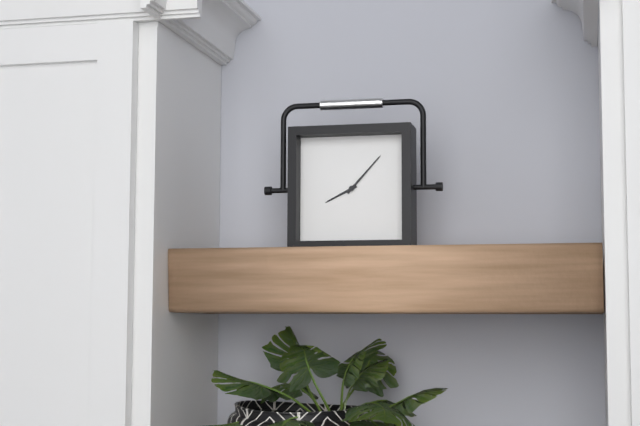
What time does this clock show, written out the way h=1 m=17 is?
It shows h=8 m=7
